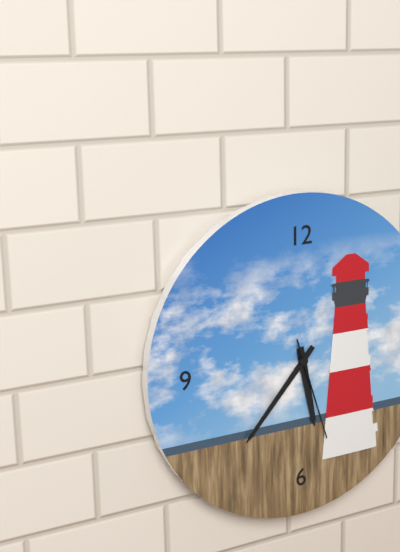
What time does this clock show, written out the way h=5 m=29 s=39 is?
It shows h=5 m=37 s=27
